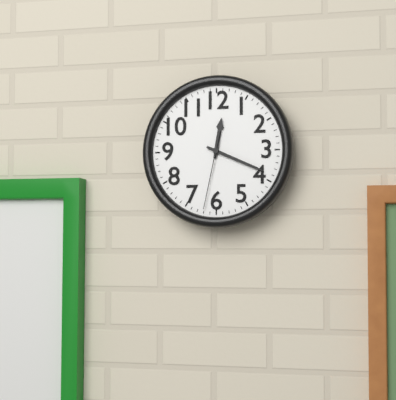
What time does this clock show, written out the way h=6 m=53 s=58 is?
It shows h=12 m=19 s=32
